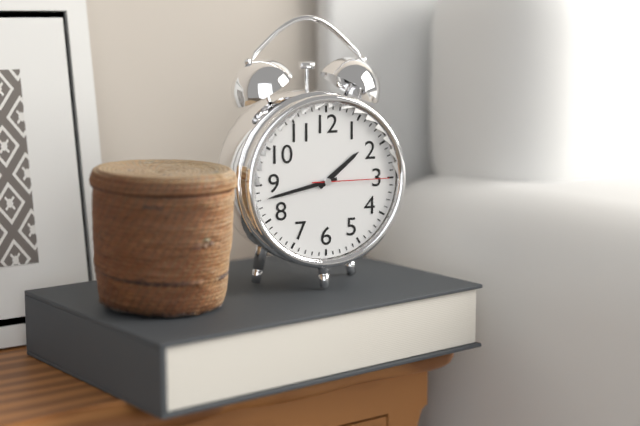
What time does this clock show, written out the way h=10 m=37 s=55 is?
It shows h=1 m=43 s=15
